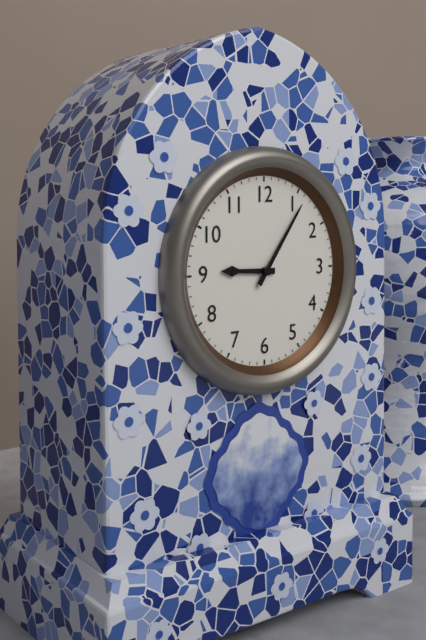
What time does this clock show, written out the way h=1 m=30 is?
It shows h=9 m=6
